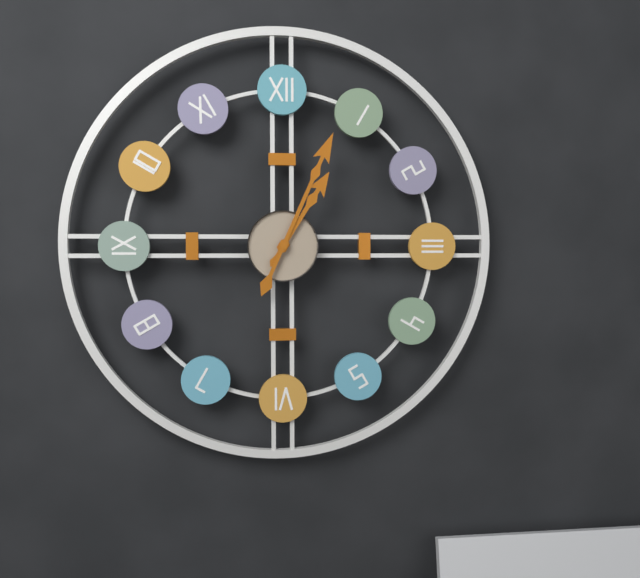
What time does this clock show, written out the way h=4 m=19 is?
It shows h=1 m=4
